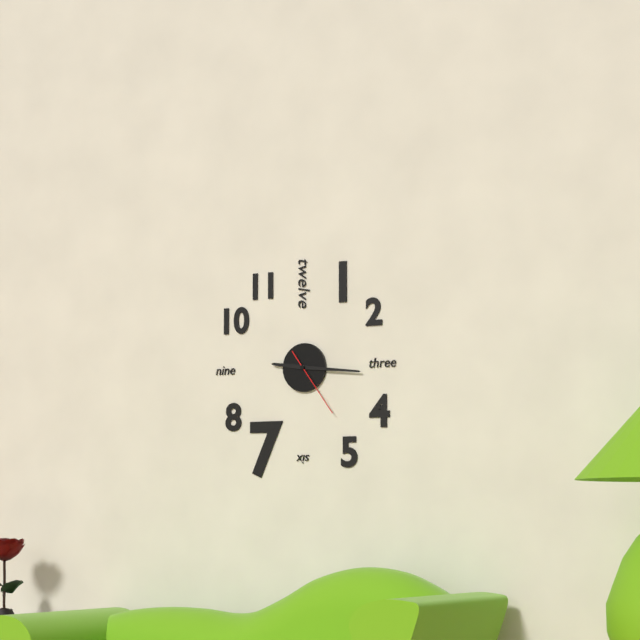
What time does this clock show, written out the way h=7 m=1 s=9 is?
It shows h=9 m=16 s=24
